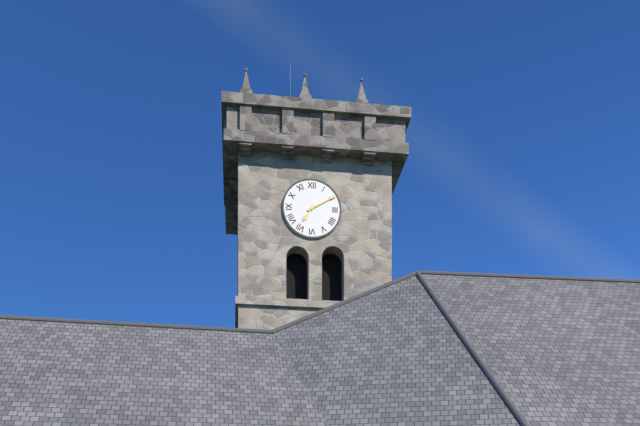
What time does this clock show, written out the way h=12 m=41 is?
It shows h=7 m=10
